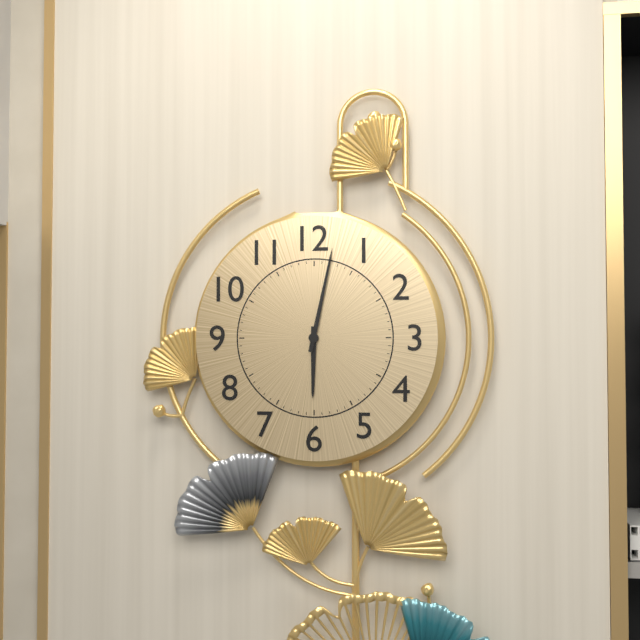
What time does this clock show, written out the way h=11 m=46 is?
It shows h=6 m=2
